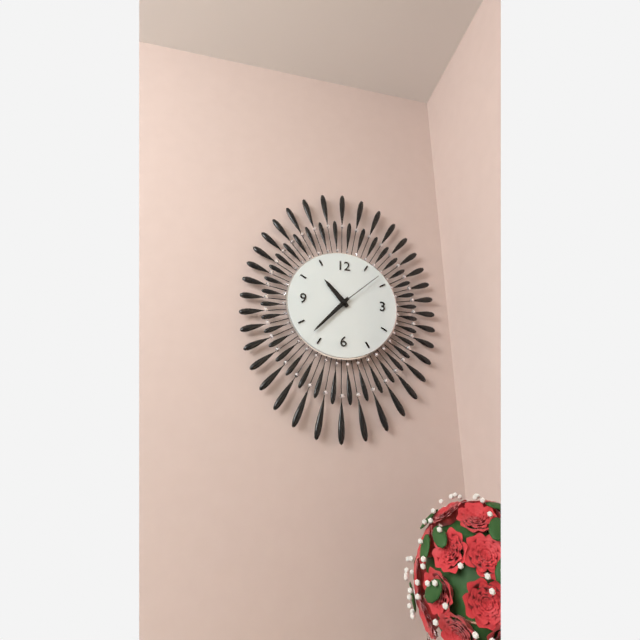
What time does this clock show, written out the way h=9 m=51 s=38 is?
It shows h=10 m=37 s=8
